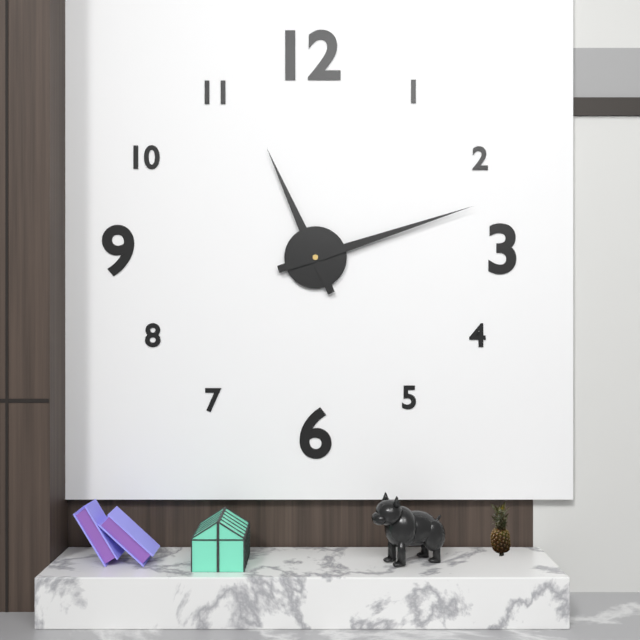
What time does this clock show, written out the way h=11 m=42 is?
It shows h=11 m=12
